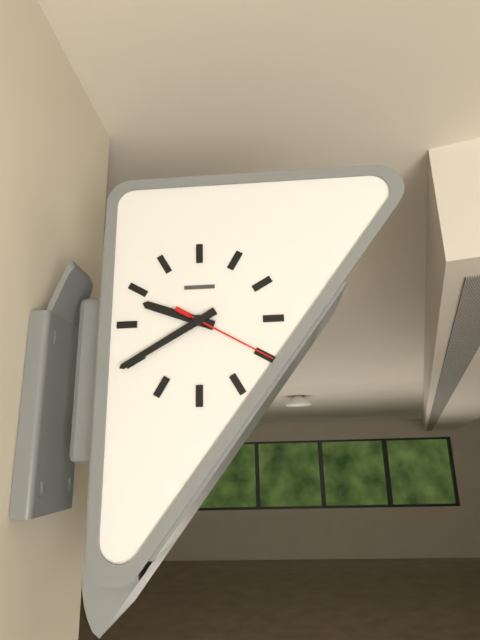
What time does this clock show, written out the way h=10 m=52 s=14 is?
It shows h=9 m=40 s=20
